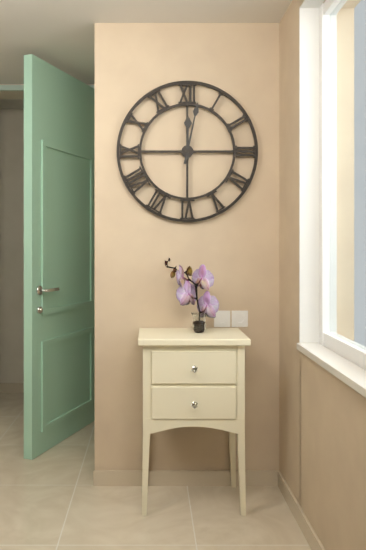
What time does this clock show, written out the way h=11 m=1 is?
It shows h=12 m=2
